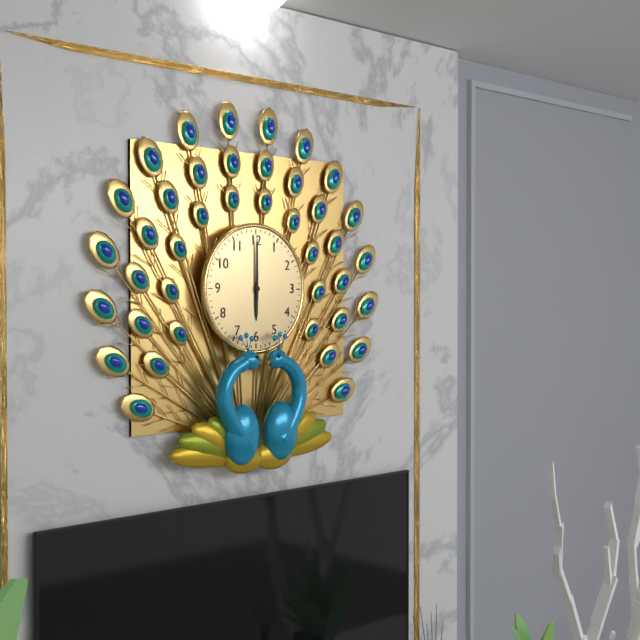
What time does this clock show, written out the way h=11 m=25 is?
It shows h=6 m=0
